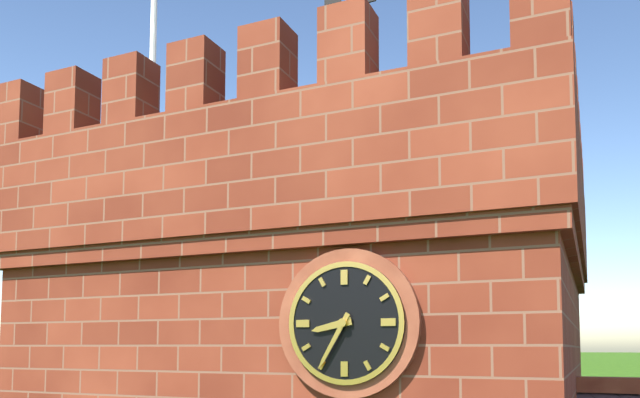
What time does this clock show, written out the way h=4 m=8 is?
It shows h=8 m=35
